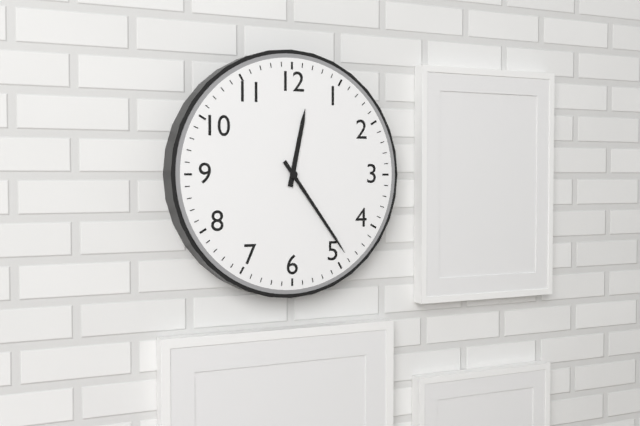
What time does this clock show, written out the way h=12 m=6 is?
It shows h=12 m=24
